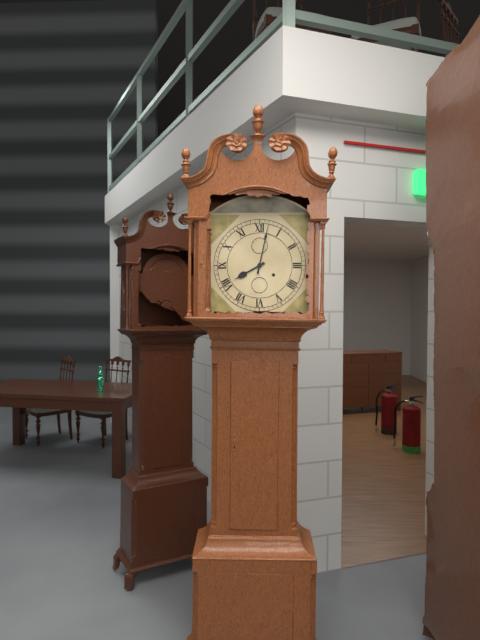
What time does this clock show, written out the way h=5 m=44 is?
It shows h=8 m=2
